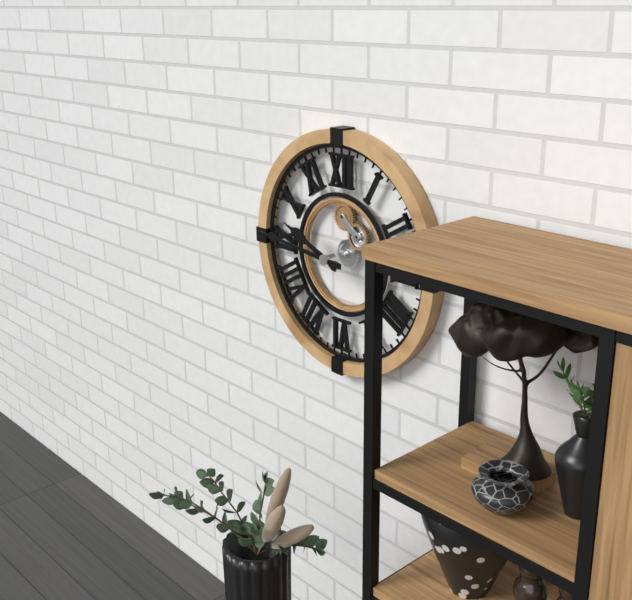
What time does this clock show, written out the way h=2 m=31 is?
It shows h=9 m=46
